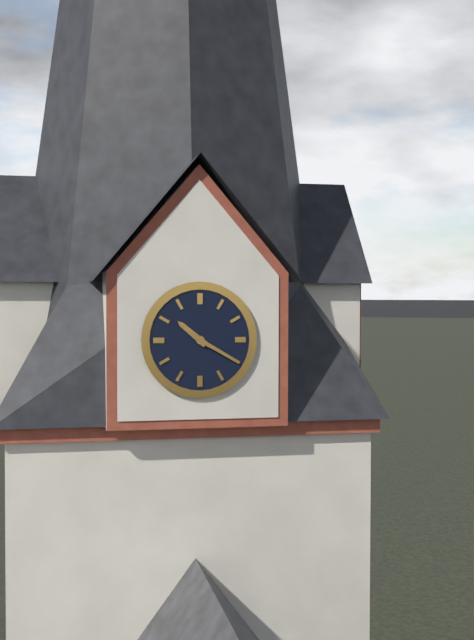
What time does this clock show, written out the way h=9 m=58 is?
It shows h=10 m=20
